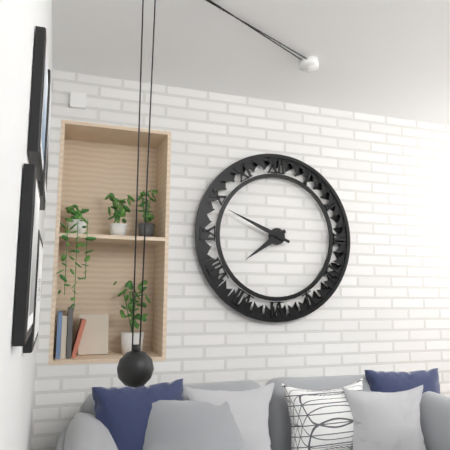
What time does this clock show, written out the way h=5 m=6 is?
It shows h=7 m=49
